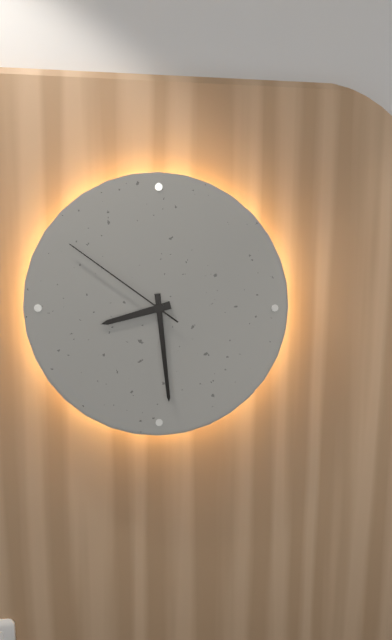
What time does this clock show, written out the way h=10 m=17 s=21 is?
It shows h=8 m=29 s=51
